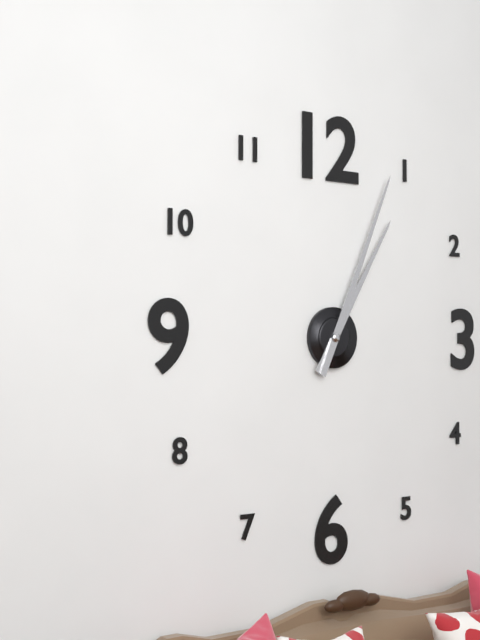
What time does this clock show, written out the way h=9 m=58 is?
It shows h=1 m=4
